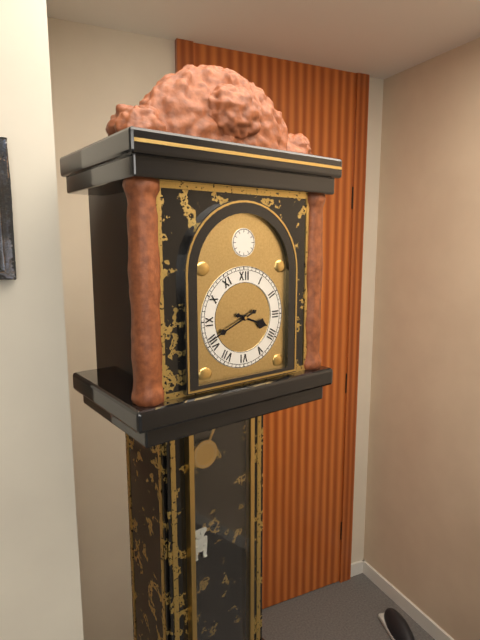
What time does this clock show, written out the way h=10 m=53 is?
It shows h=3 m=41
